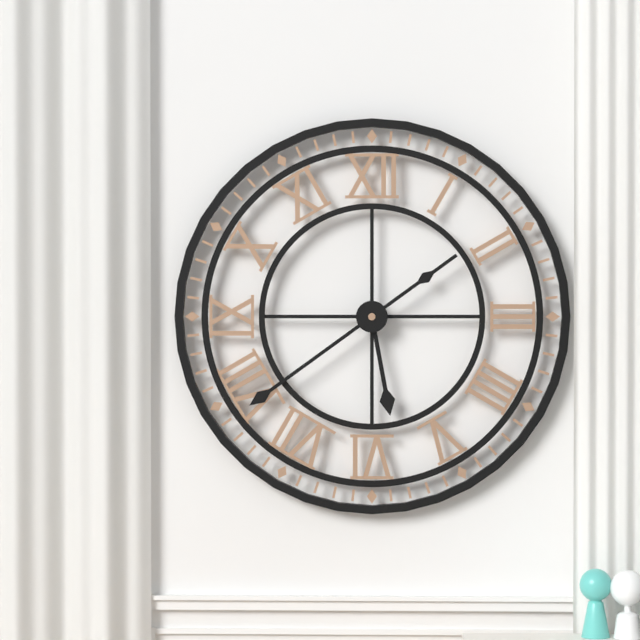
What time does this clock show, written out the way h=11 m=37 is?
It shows h=5 m=39
